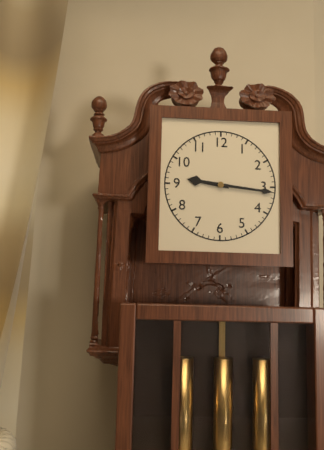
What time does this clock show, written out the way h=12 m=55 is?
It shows h=9 m=16
